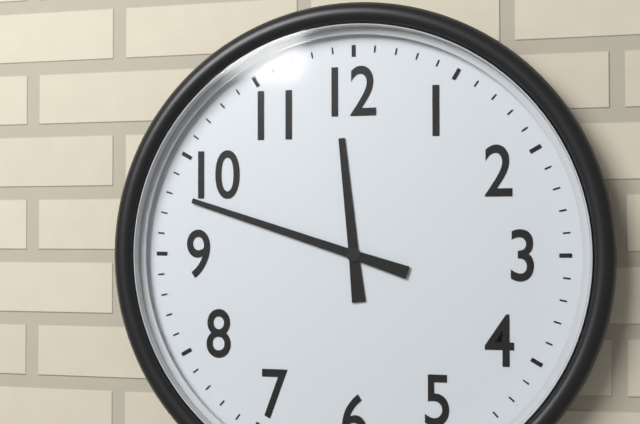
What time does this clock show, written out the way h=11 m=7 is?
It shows h=11 m=48
